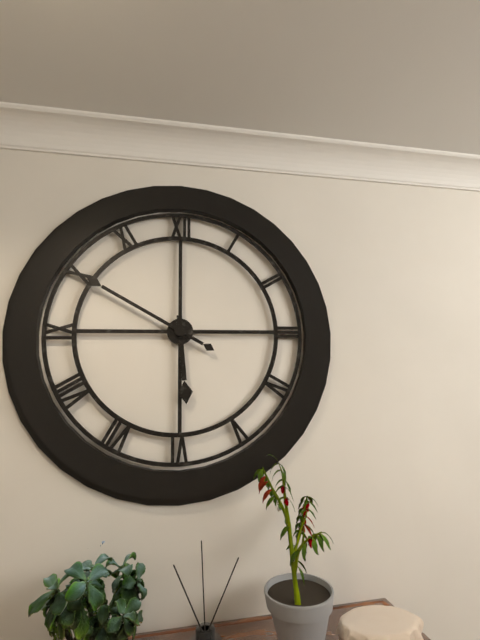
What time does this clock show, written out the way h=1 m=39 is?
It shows h=5 m=50
